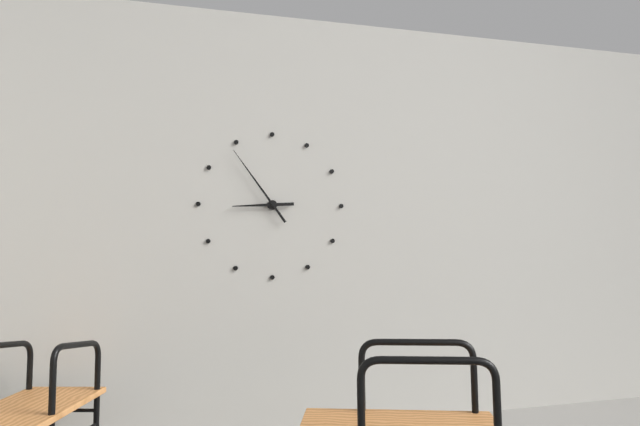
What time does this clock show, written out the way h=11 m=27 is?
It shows h=8 m=54
